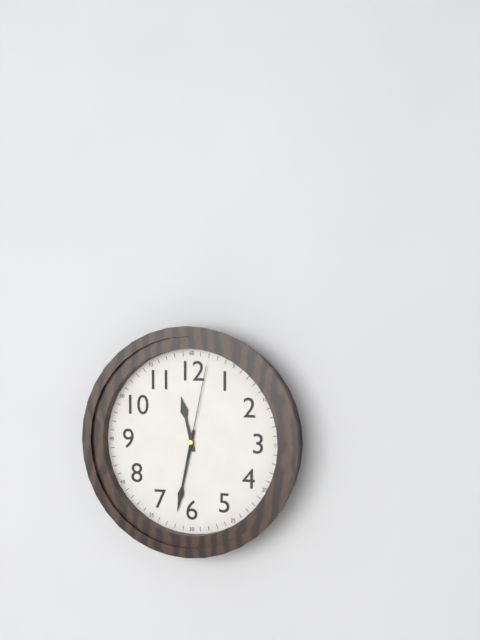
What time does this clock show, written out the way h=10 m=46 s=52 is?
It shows h=11 m=32 s=2
